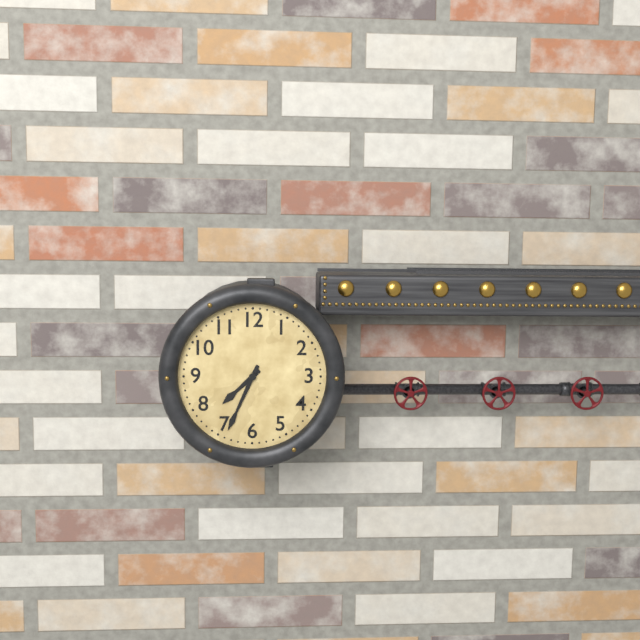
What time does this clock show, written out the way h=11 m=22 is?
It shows h=7 m=34
